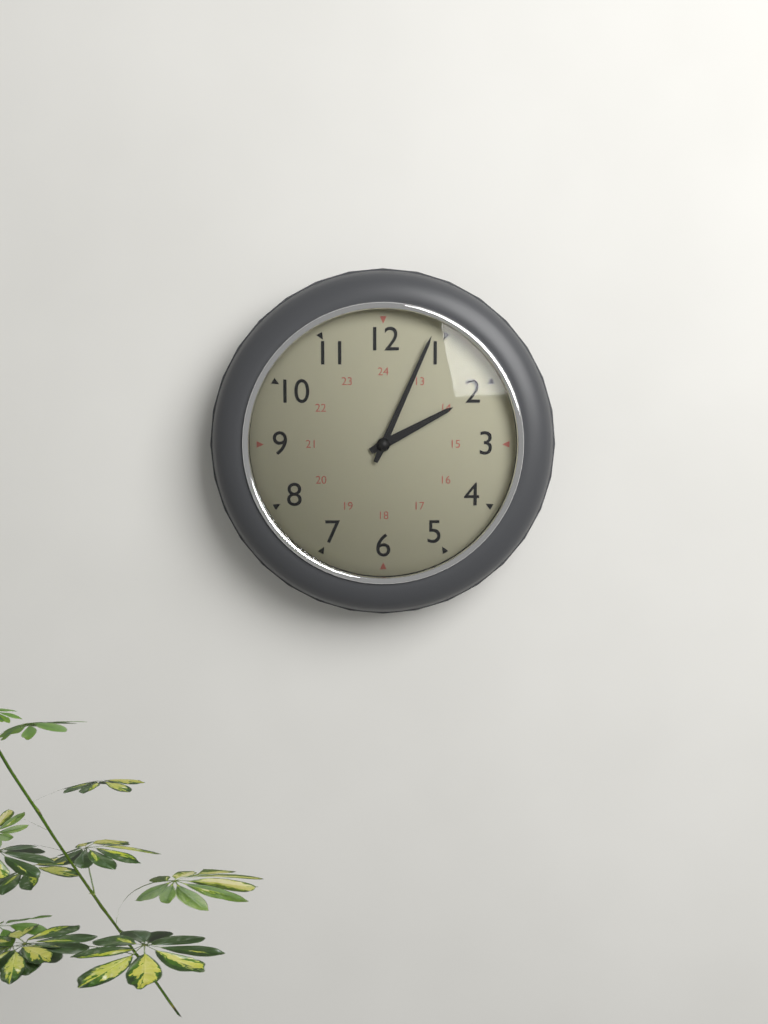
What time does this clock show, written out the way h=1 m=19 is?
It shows h=2 m=4
